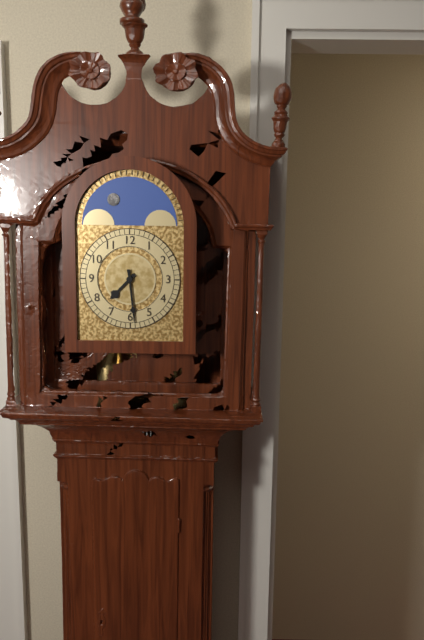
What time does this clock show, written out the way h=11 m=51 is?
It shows h=7 m=29
